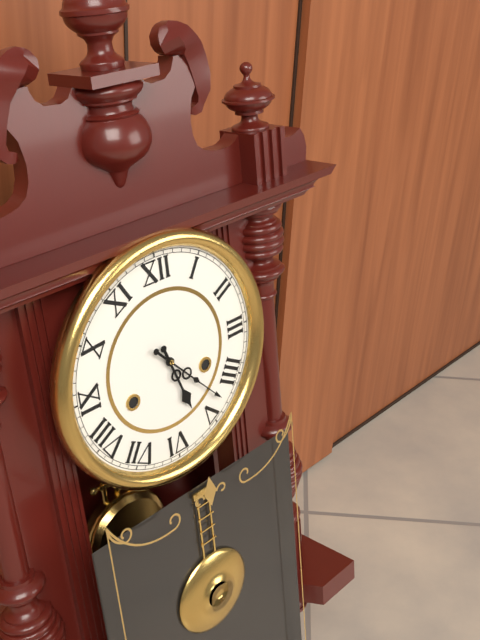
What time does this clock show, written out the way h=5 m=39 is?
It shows h=5 m=23
